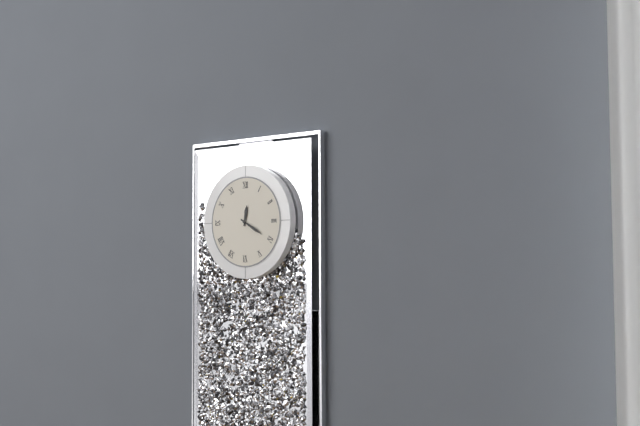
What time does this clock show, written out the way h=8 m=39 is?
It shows h=12 m=20
